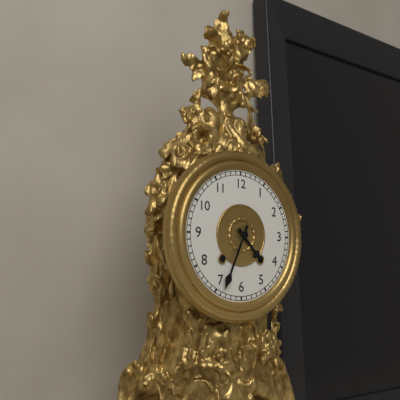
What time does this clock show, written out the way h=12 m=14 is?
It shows h=4 m=34
